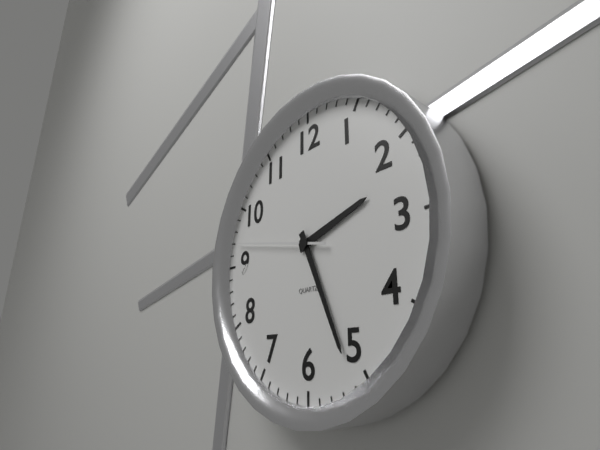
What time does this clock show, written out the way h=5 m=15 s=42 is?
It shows h=2 m=26 s=47
